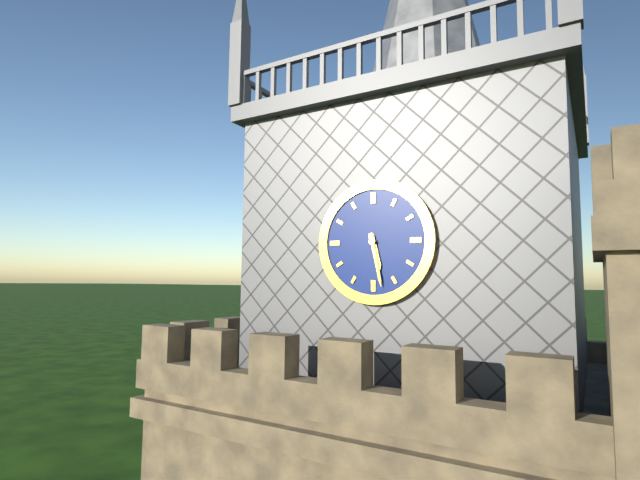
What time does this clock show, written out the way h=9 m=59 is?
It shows h=5 m=28
